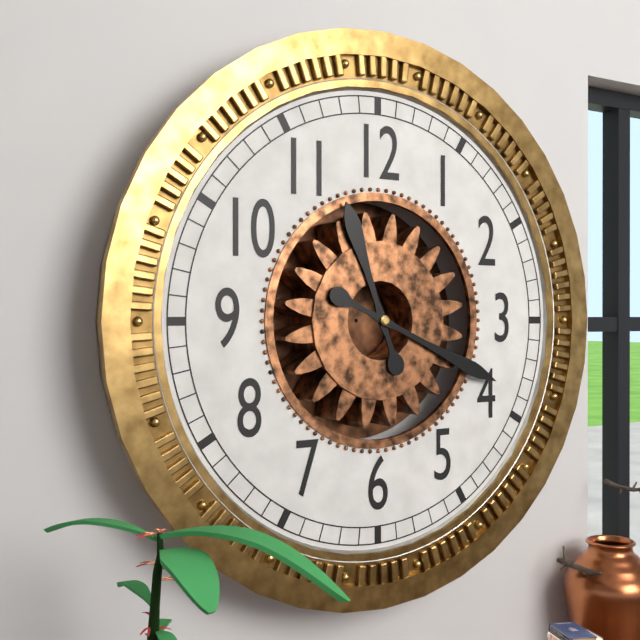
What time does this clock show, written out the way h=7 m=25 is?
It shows h=11 m=19
